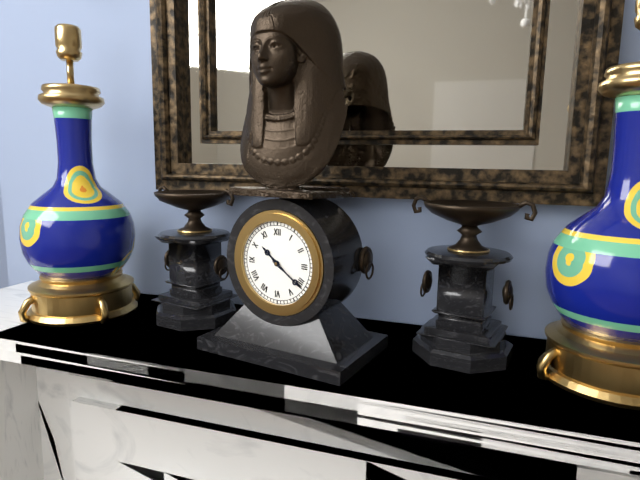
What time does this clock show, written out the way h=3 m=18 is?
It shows h=10 m=21
